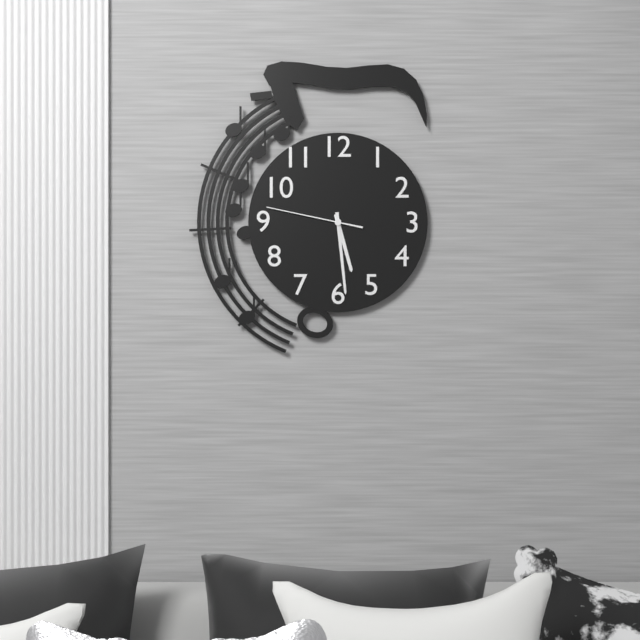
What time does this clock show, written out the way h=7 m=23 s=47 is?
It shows h=5 m=29 s=47
